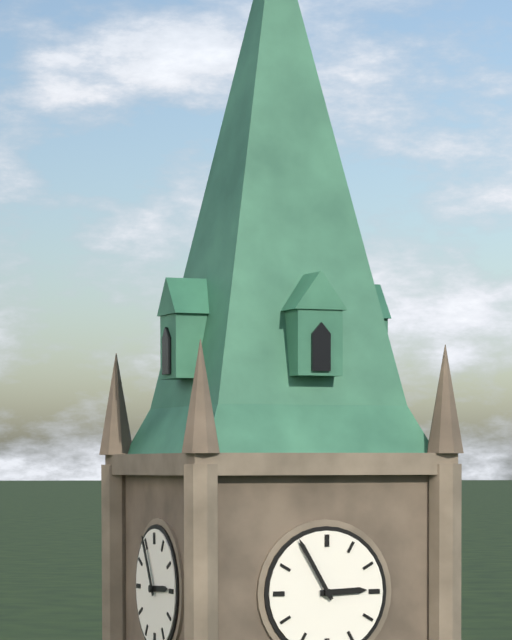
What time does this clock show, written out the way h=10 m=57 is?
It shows h=2 m=55
